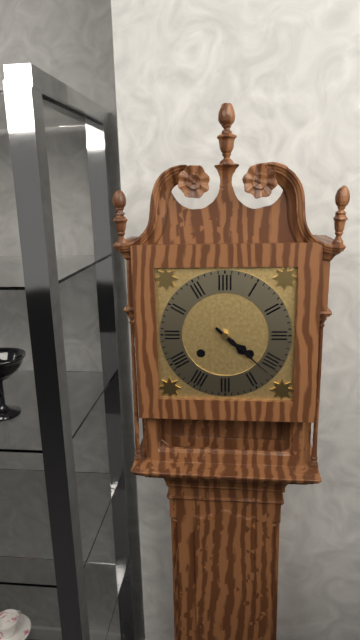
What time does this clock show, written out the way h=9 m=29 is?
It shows h=4 m=22
